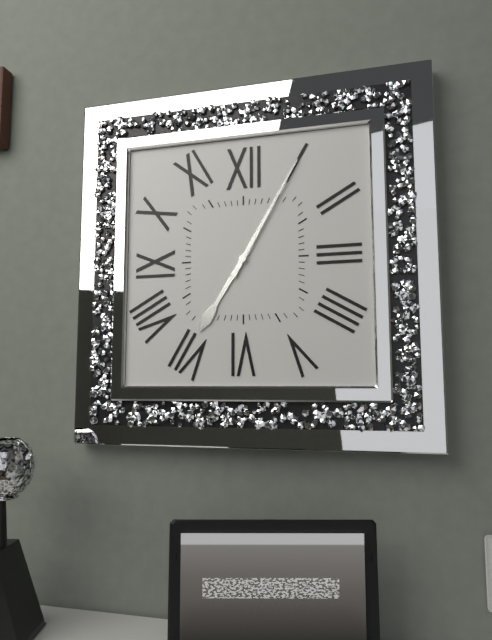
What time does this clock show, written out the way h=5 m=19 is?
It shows h=7 m=5
